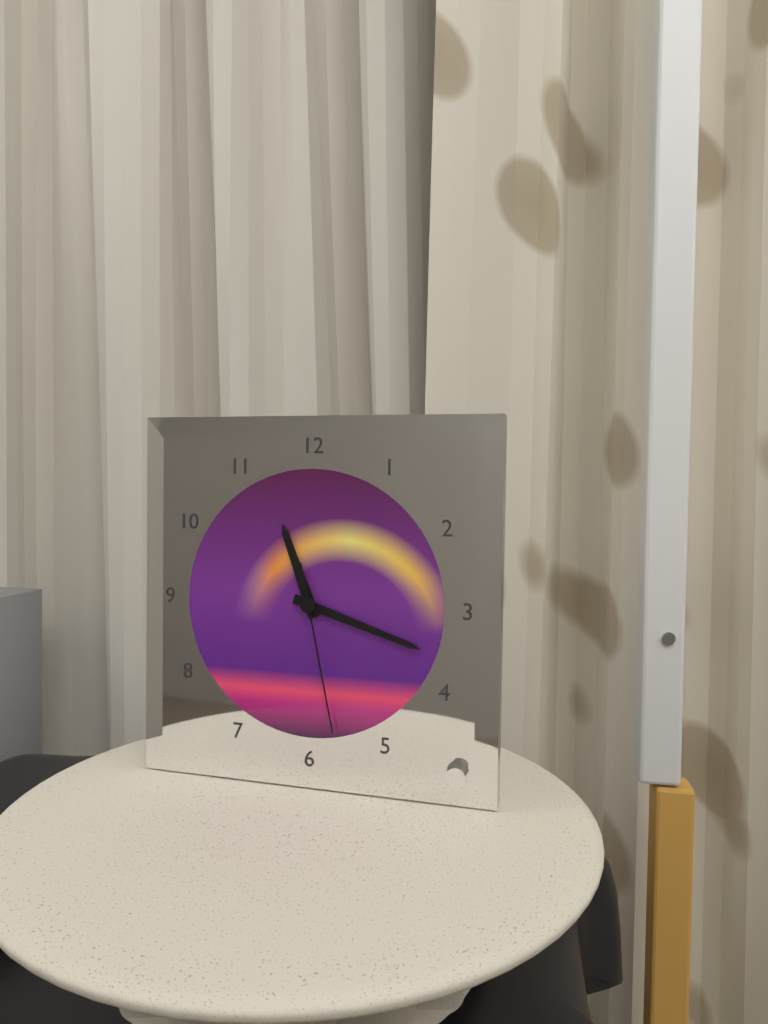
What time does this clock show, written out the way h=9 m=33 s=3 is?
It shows h=11 m=18 s=28
